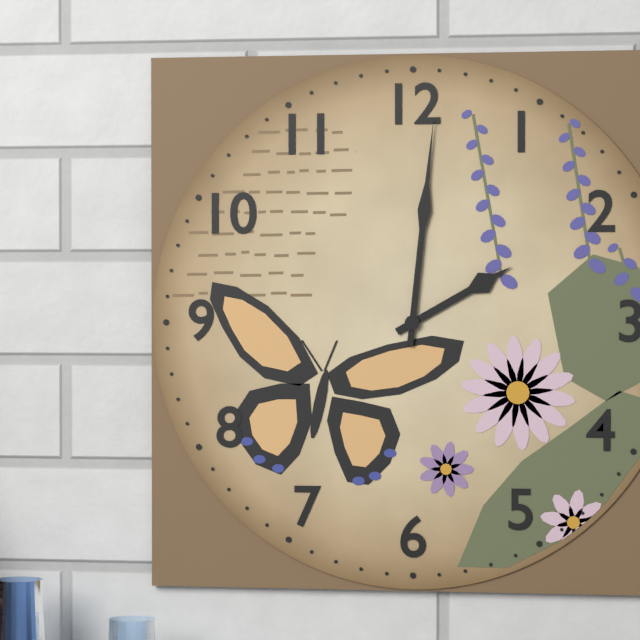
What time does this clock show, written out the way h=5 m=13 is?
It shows h=2 m=1
